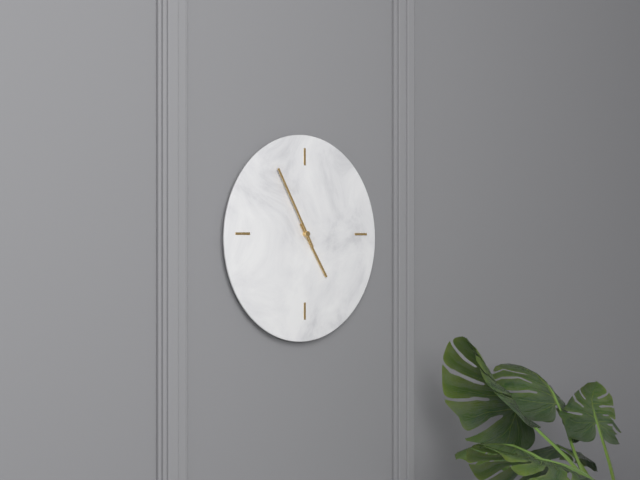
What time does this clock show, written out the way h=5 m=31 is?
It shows h=4 m=55
